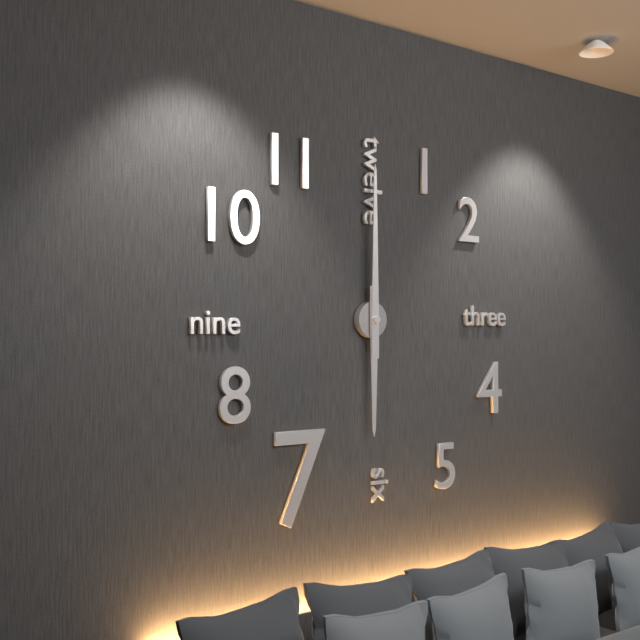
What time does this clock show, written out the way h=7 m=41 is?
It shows h=6 m=0
